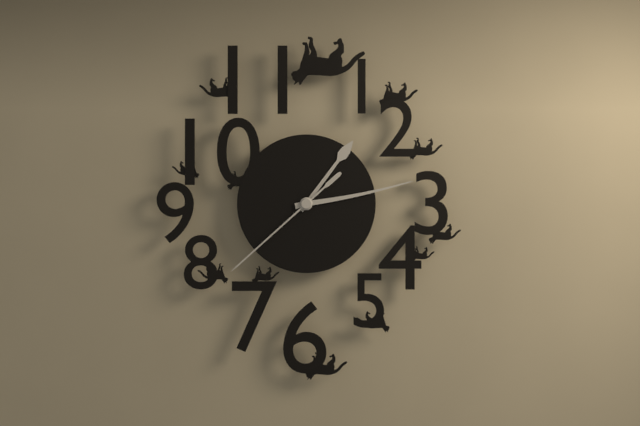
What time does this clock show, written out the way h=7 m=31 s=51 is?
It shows h=1 m=13 s=38
